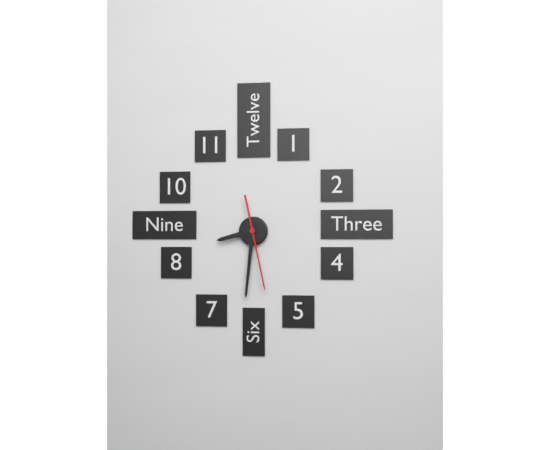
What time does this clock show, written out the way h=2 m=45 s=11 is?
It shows h=8 m=31 s=28
